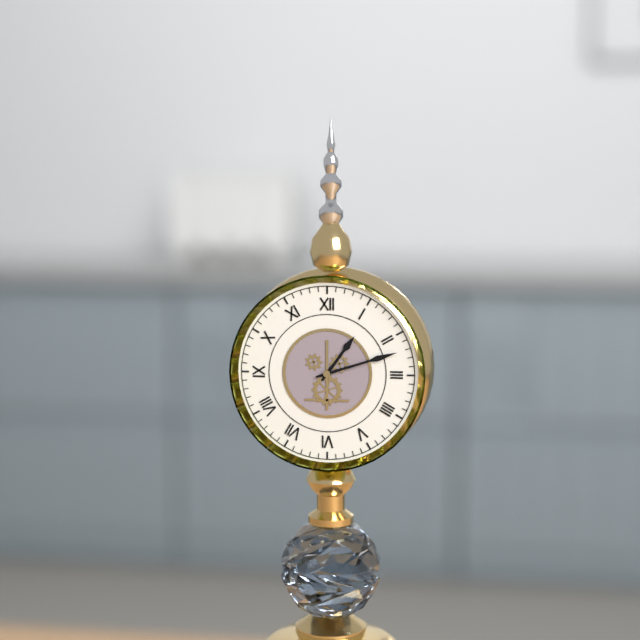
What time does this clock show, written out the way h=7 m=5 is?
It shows h=1 m=12
